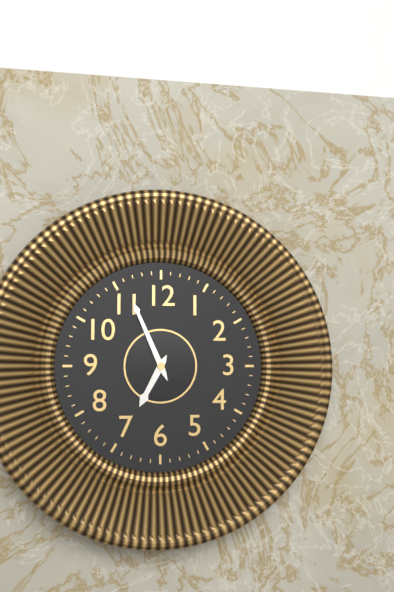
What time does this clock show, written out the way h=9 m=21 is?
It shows h=6 m=56
